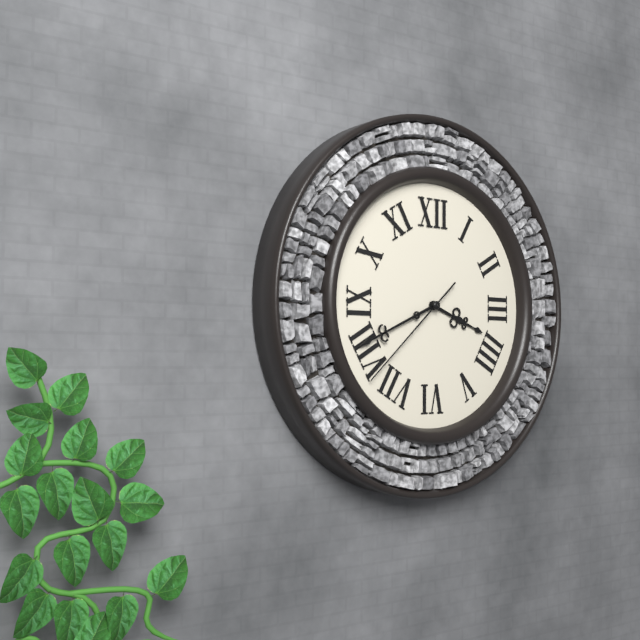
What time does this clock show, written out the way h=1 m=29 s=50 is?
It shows h=3 m=41 s=38
